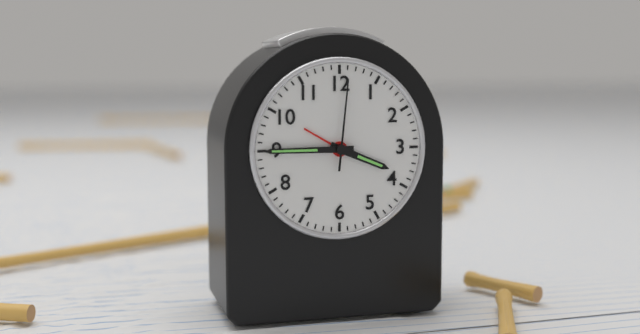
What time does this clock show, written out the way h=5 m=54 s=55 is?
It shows h=3 m=45 s=1
